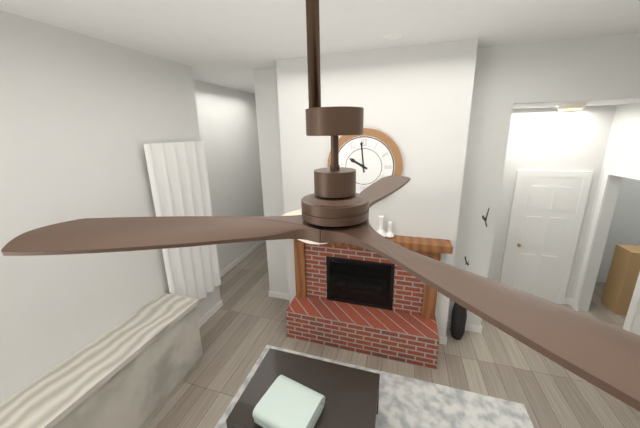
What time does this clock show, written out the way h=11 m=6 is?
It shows h=9 m=59
